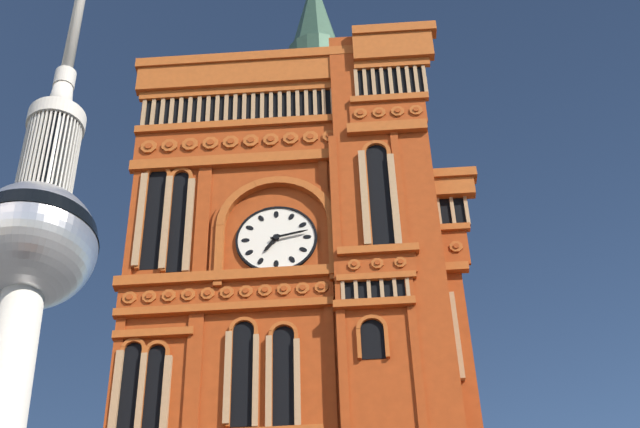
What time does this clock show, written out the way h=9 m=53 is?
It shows h=7 m=13
